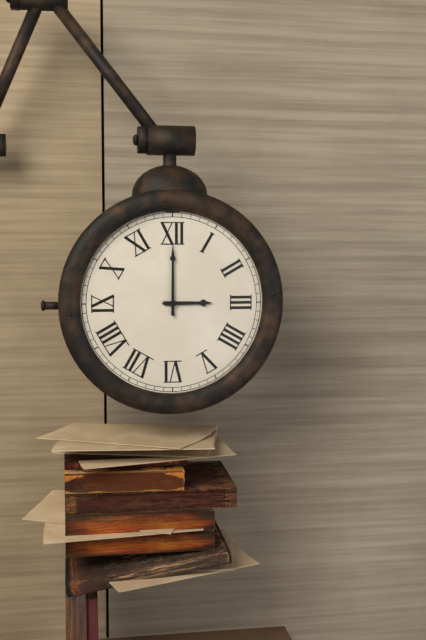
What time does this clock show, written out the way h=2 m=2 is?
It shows h=3 m=0
